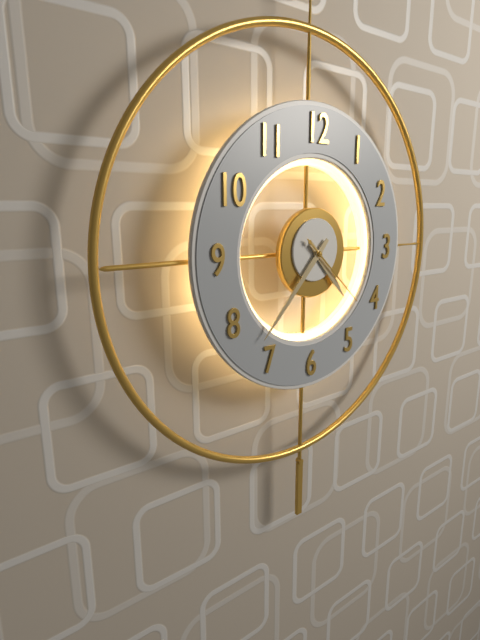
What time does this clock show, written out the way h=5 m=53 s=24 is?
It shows h=4 m=37 s=22
